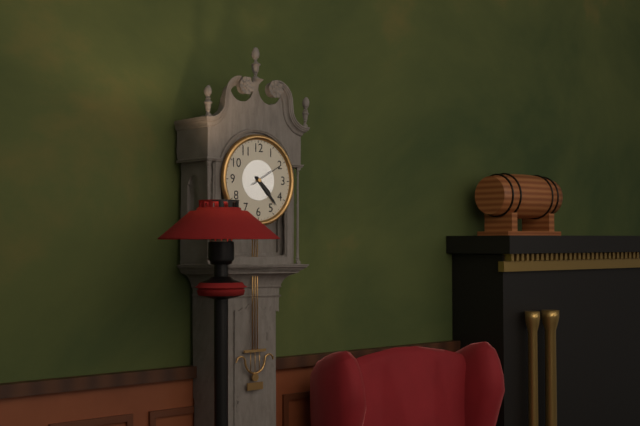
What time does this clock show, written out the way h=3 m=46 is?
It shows h=4 m=23
